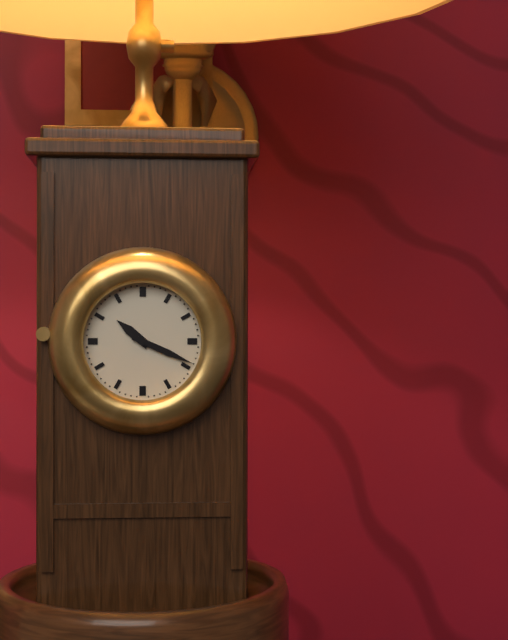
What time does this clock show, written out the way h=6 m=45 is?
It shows h=10 m=19
